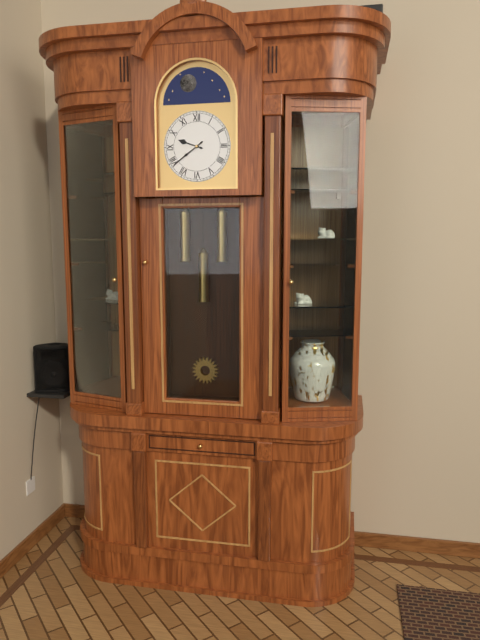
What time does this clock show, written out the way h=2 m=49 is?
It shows h=9 m=39
